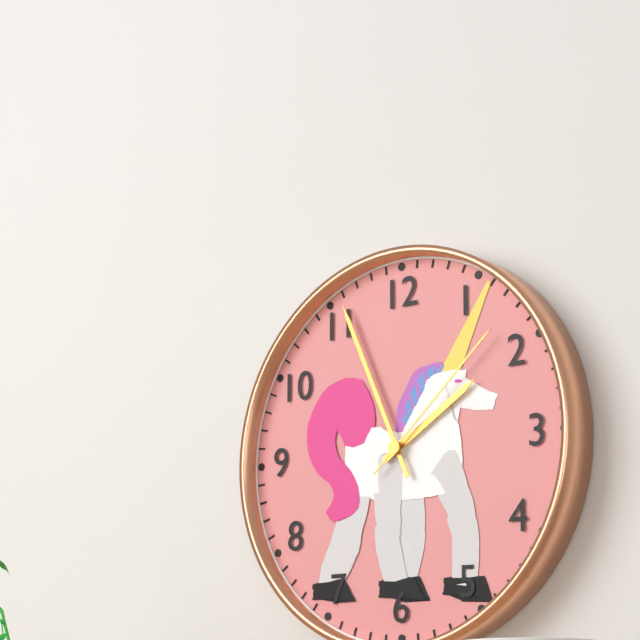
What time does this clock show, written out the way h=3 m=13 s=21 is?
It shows h=1 m=56 s=8
